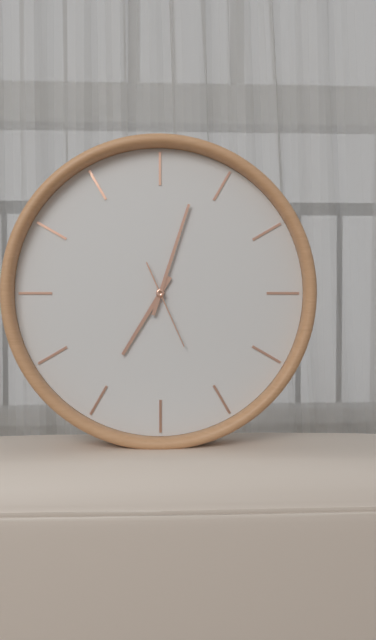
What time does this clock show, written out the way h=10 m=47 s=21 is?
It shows h=7 m=3 s=26
